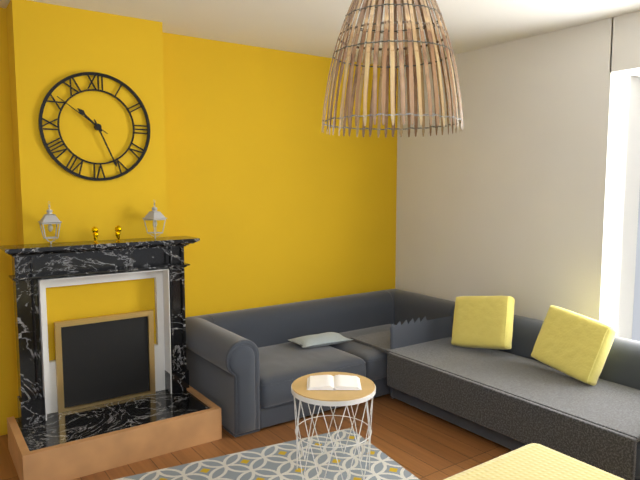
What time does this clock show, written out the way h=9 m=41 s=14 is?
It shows h=10 m=26 s=51
